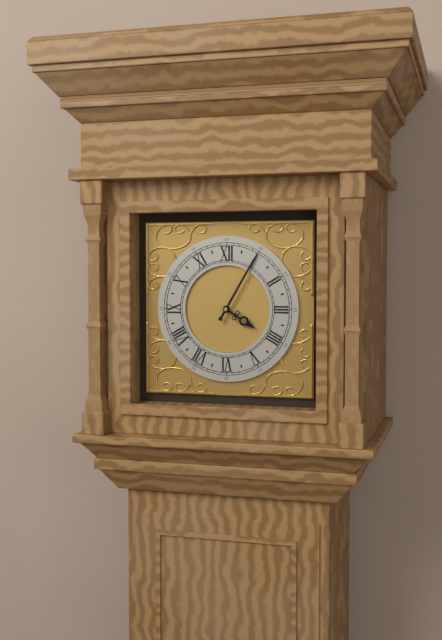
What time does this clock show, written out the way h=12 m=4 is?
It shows h=4 m=5
